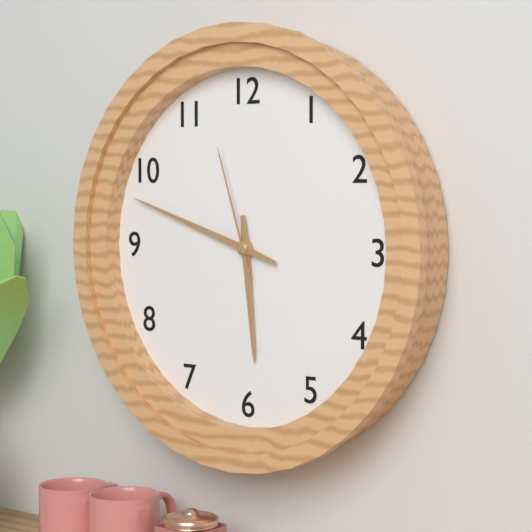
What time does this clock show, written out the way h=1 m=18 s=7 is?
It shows h=5 m=48 s=57
